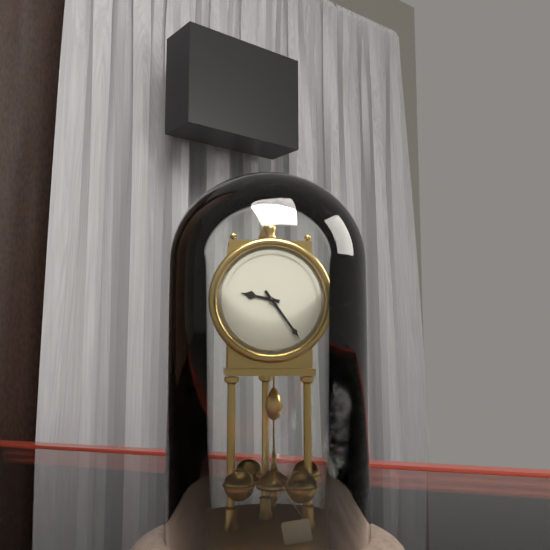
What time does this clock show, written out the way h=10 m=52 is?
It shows h=9 m=24
